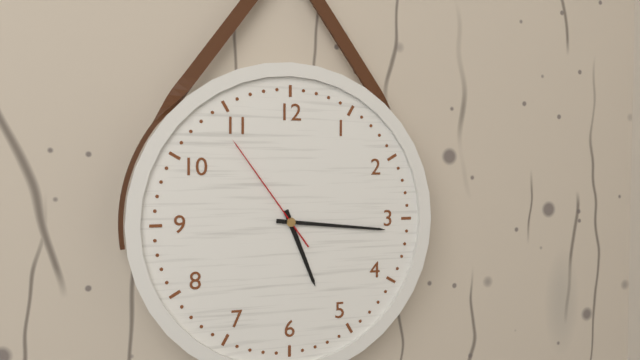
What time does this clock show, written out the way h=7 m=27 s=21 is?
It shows h=5 m=16 s=54
